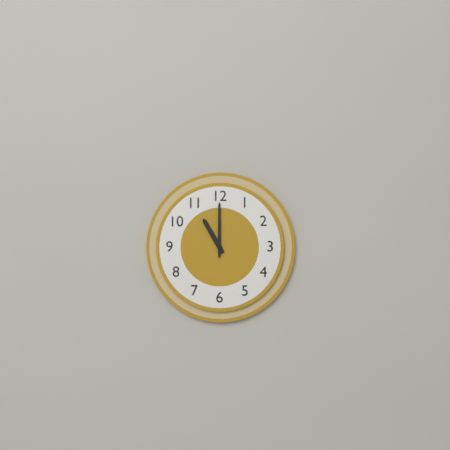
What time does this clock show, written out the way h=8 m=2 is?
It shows h=11 m=0
